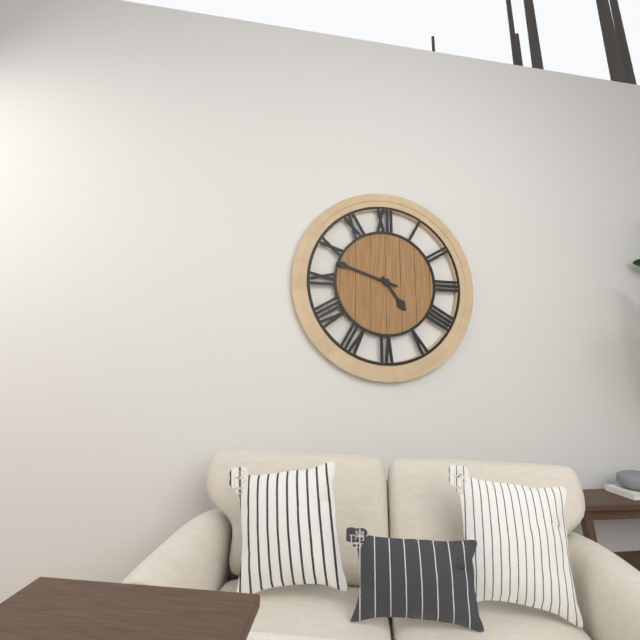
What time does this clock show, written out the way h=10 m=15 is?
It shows h=4 m=48
